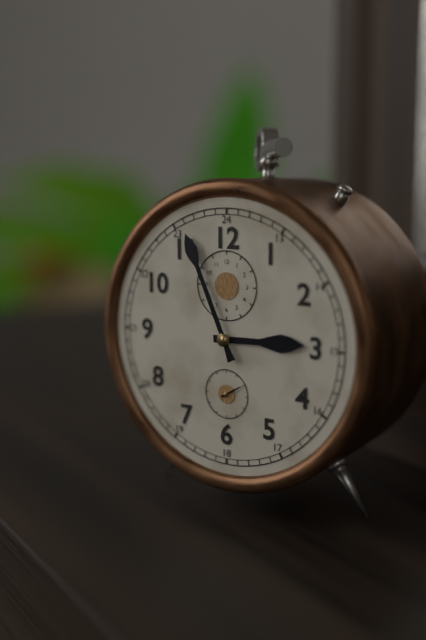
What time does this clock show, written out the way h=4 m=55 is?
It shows h=2 m=56
